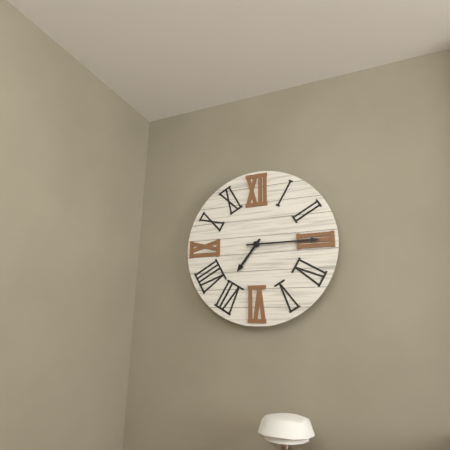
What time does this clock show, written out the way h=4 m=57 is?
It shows h=7 m=15
